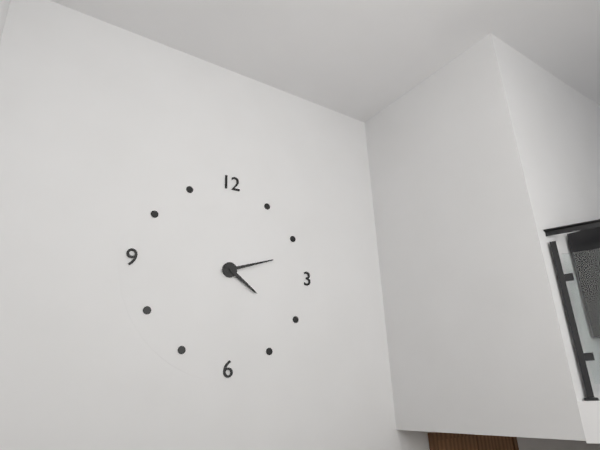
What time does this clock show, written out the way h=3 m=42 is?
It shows h=4 m=12
